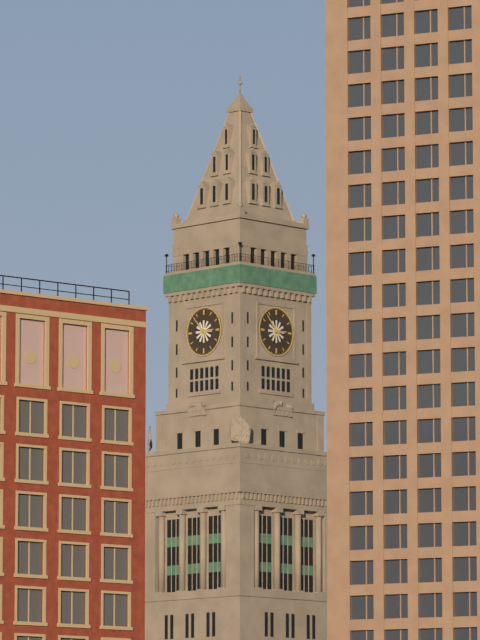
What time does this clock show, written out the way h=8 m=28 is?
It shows h=2 m=53
